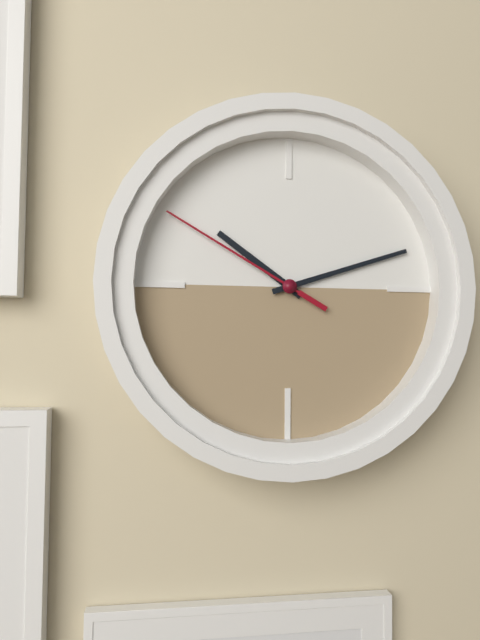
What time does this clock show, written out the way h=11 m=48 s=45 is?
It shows h=10 m=12 s=50
